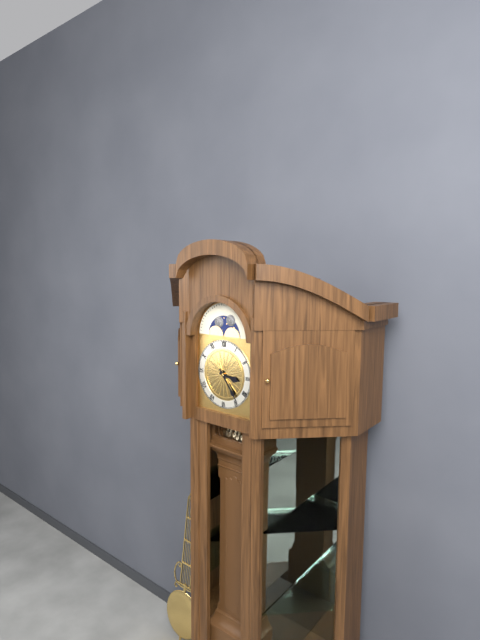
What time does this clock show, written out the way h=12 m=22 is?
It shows h=3 m=24
